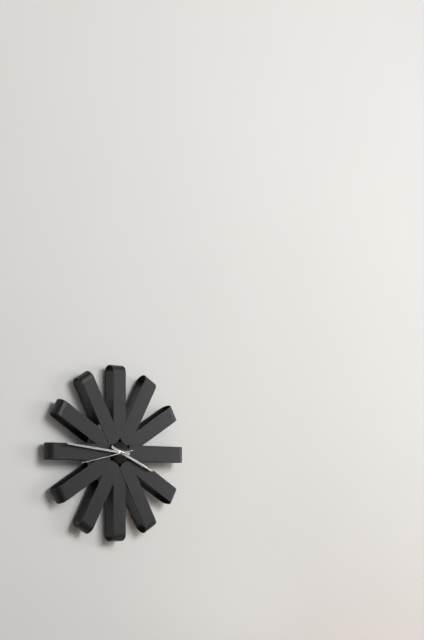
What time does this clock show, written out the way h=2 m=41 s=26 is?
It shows h=3 m=46 s=43
